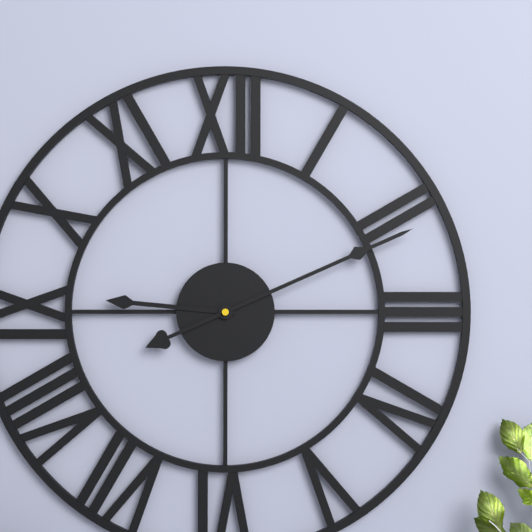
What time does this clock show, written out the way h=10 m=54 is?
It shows h=9 m=11
